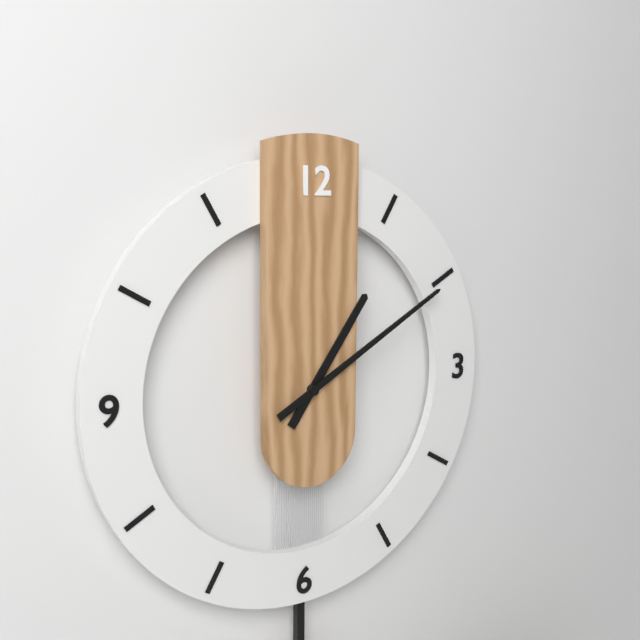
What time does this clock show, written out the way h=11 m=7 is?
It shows h=1 m=10
